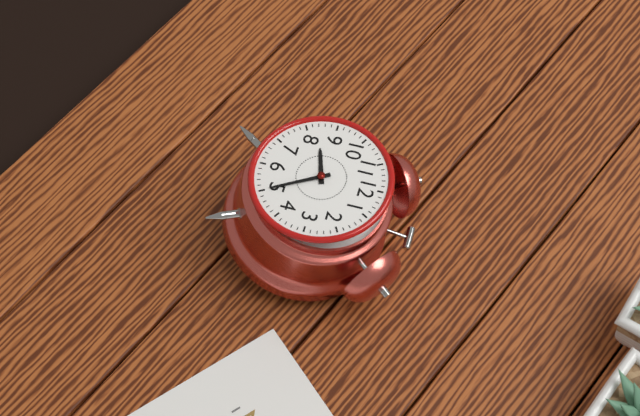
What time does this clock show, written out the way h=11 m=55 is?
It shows h=8 m=25
